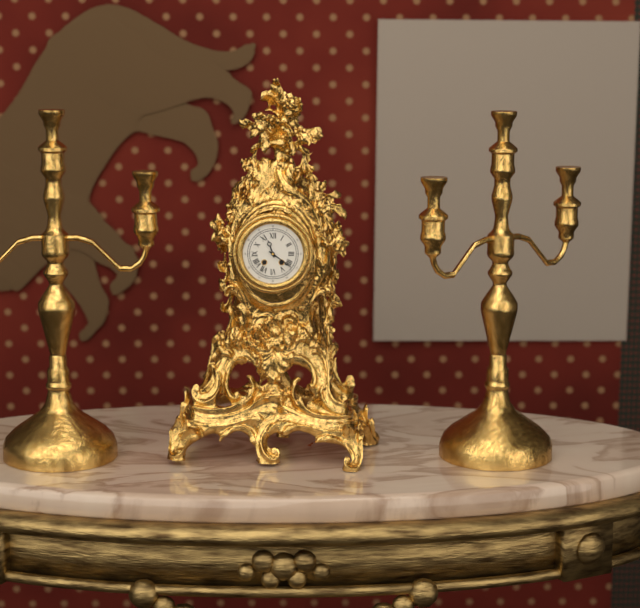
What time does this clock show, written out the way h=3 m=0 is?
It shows h=11 m=21
